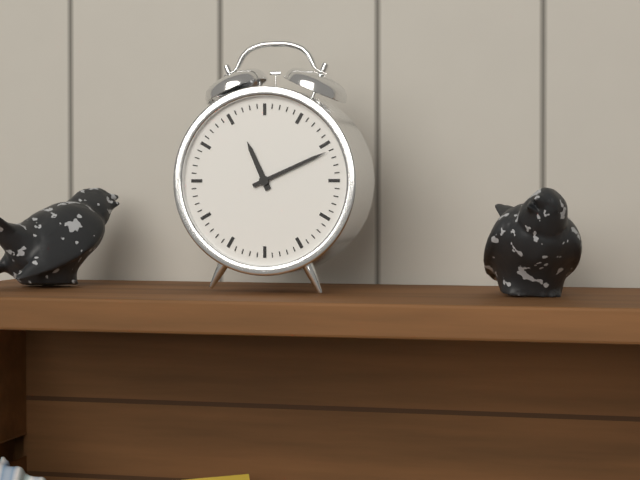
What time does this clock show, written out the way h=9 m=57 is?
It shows h=11 m=11
